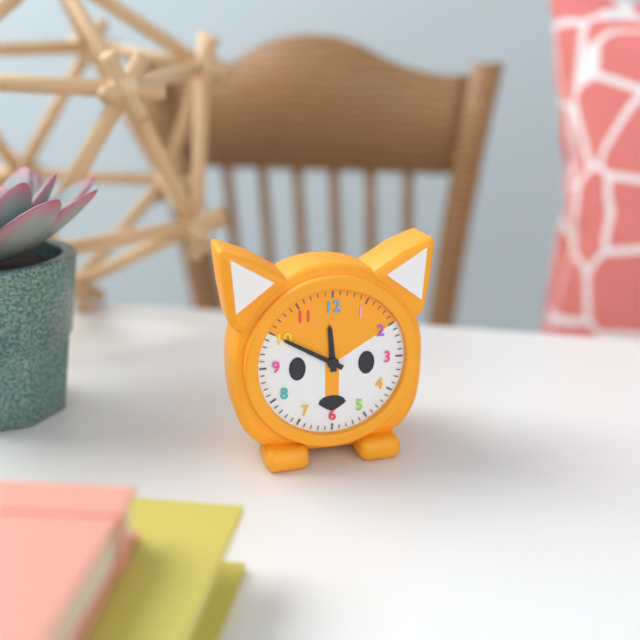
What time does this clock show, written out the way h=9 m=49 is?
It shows h=11 m=50
